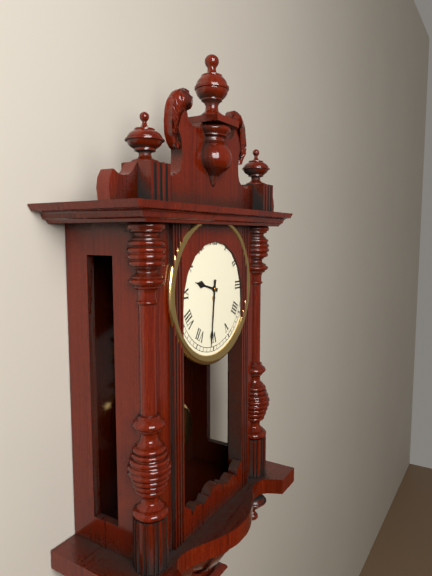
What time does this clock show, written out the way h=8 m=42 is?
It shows h=9 m=31
